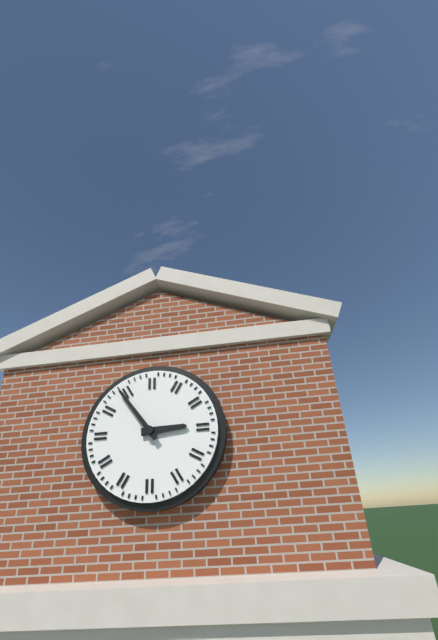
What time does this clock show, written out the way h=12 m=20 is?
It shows h=2 m=54
